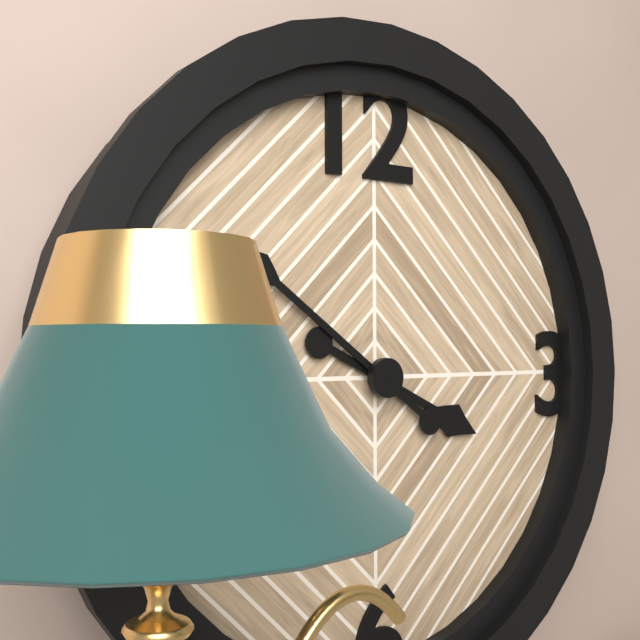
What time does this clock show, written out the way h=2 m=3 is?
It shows h=3 m=51
